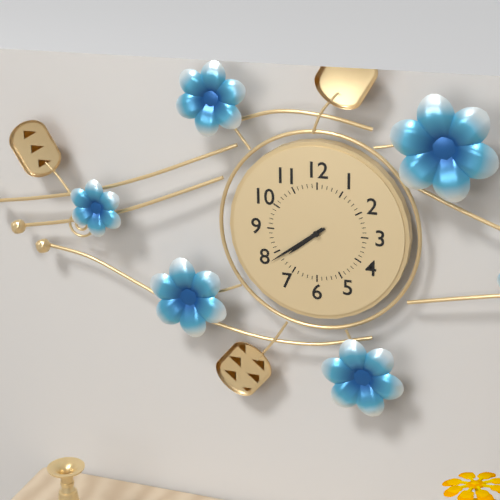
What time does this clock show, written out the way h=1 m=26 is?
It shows h=7 m=39
